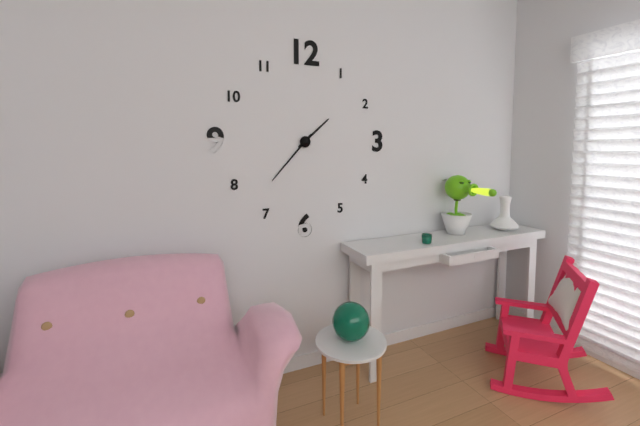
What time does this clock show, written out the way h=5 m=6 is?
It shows h=1 m=37
